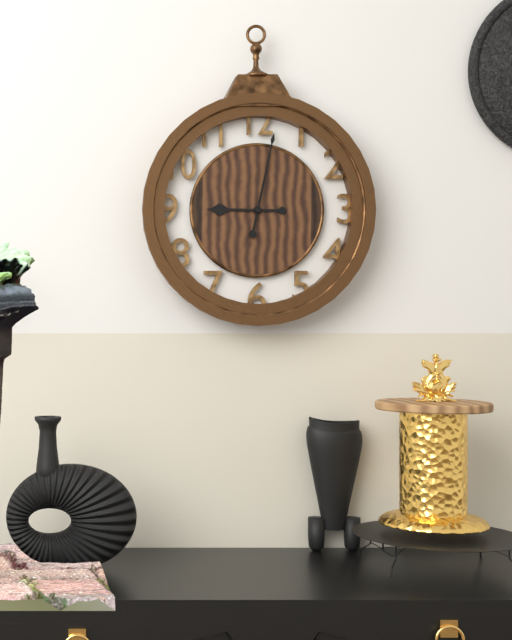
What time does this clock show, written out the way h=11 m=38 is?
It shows h=9 m=2
